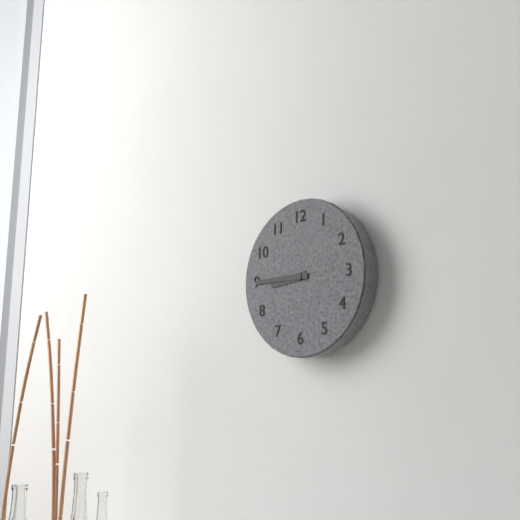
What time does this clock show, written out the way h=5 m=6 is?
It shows h=8 m=45
